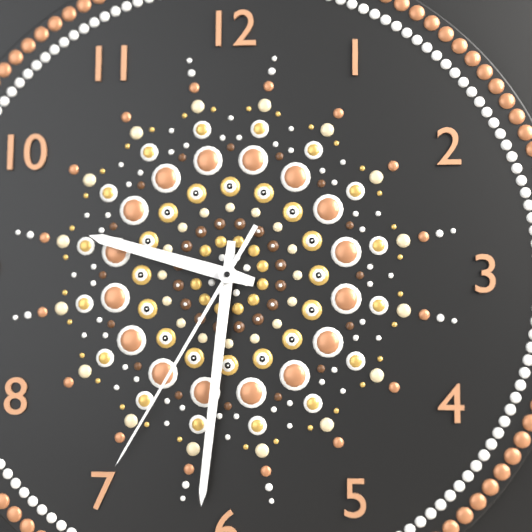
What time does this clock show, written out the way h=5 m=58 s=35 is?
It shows h=9 m=31 s=35
